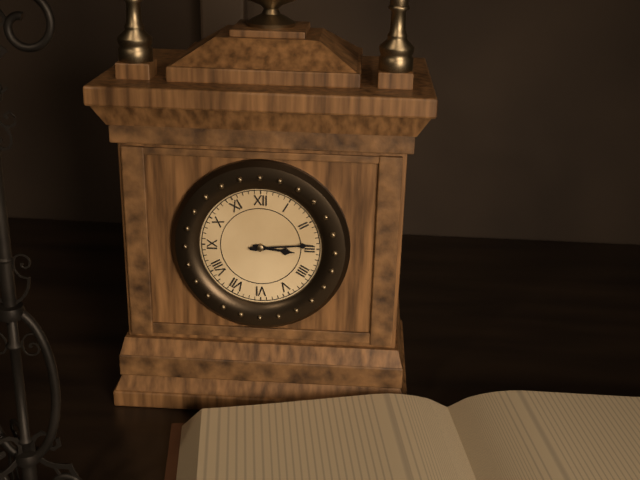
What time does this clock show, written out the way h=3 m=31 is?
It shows h=3 m=14
